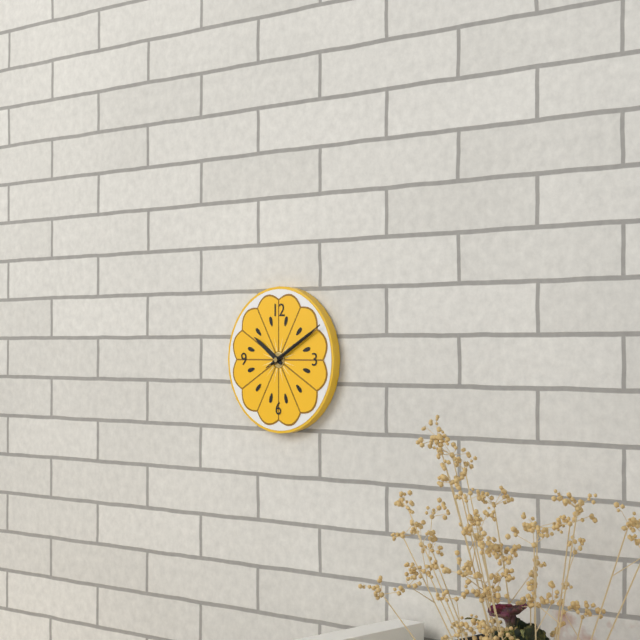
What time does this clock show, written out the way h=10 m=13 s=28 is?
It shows h=10 m=10 s=10
